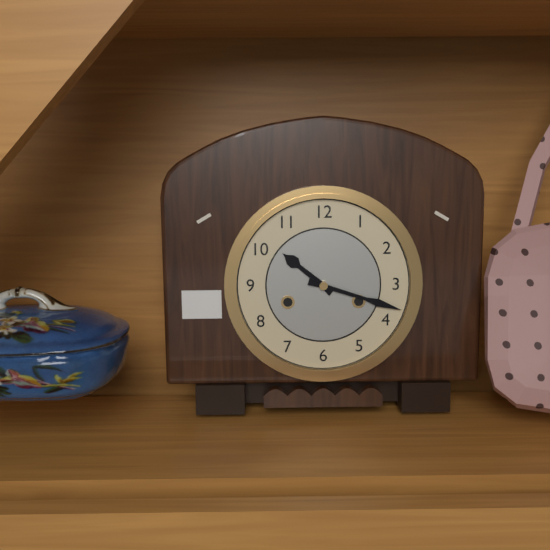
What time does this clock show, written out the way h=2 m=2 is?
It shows h=10 m=18
